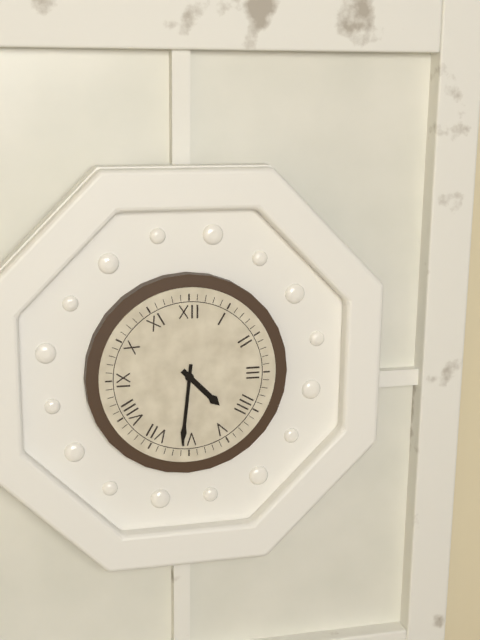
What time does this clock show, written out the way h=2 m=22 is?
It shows h=4 m=31
